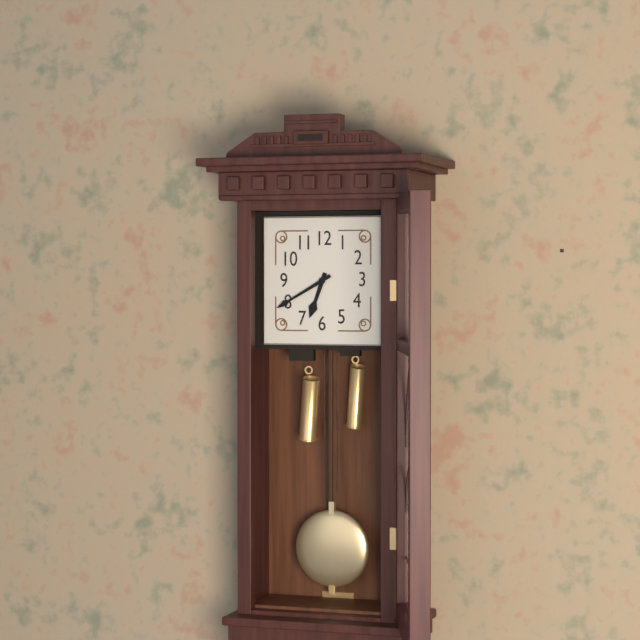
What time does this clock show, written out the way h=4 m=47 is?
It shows h=6 m=40
